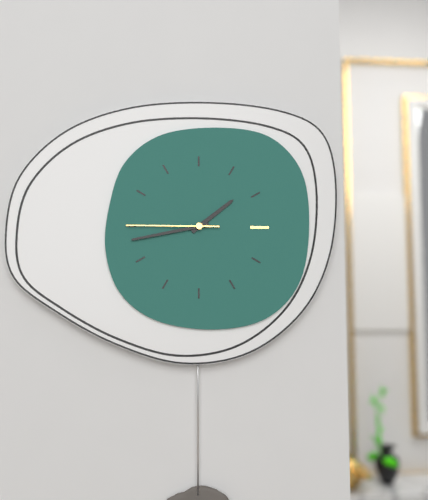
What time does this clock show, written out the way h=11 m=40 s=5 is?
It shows h=1 m=43 s=45
